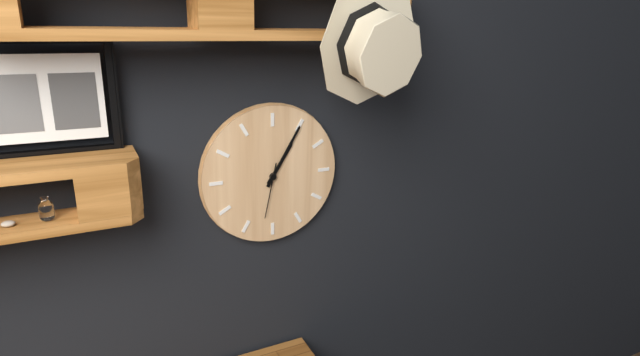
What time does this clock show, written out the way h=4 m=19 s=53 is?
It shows h=1 m=5 s=32
